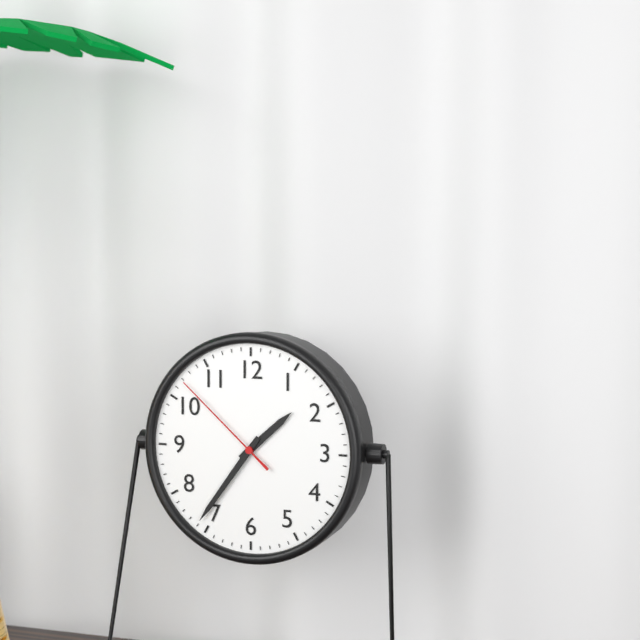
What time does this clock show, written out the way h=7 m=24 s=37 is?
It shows h=1 m=36 s=52
